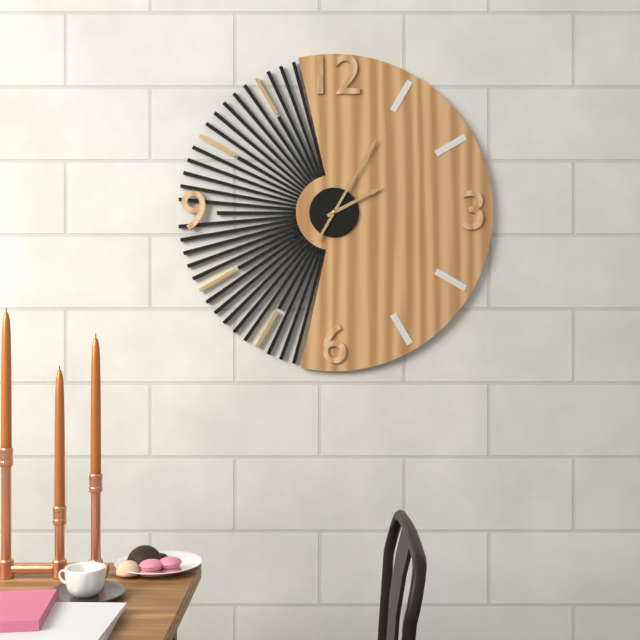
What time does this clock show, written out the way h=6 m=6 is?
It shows h=2 m=5
